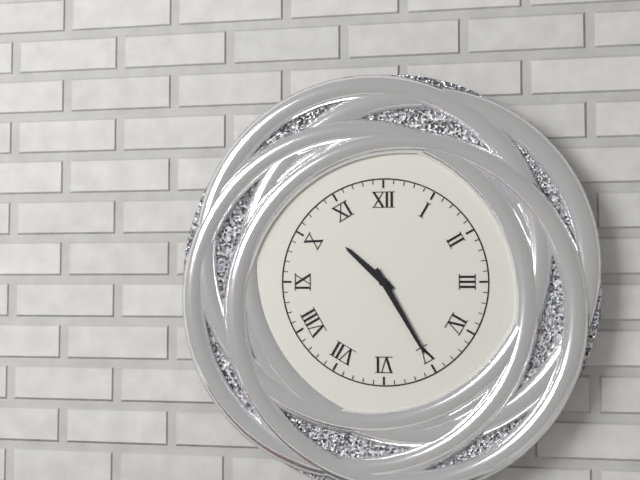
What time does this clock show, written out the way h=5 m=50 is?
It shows h=10 m=25
